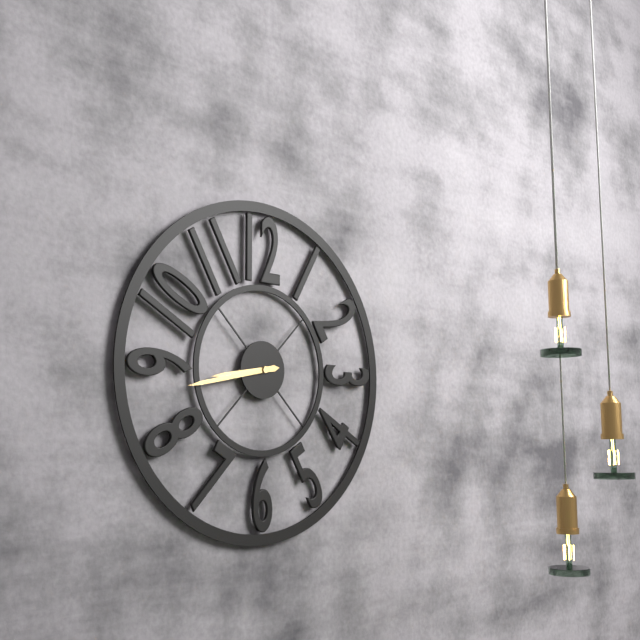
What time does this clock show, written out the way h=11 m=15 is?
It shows h=8 m=43
